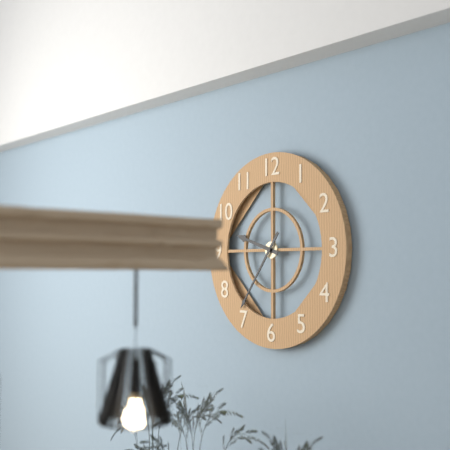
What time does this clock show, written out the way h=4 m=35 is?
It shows h=9 m=36
